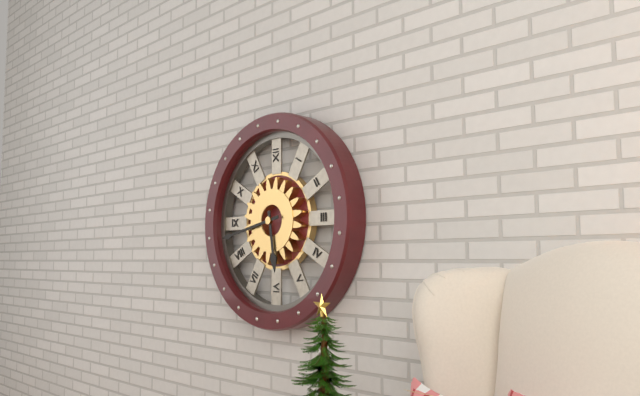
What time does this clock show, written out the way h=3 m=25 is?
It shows h=5 m=43
